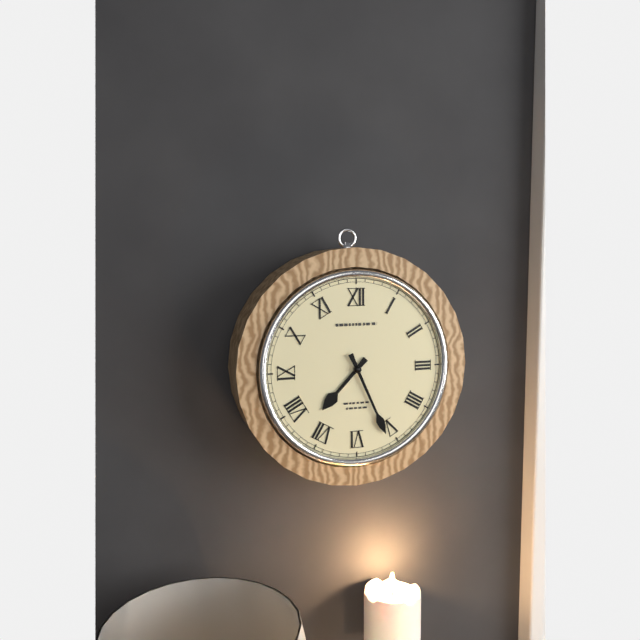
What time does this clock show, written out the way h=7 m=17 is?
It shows h=7 m=26
